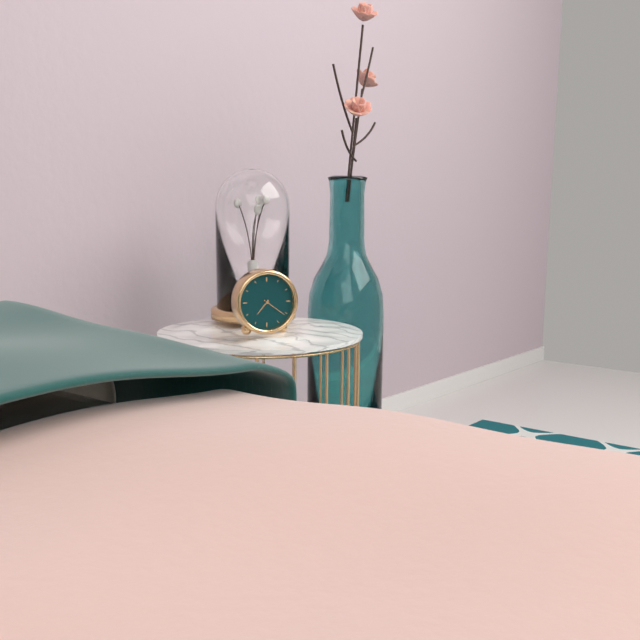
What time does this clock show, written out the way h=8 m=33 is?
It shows h=7 m=21
